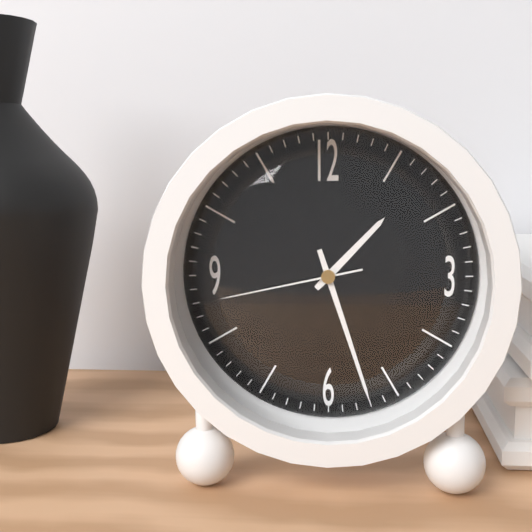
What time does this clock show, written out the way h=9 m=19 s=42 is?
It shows h=1 m=27 s=43
